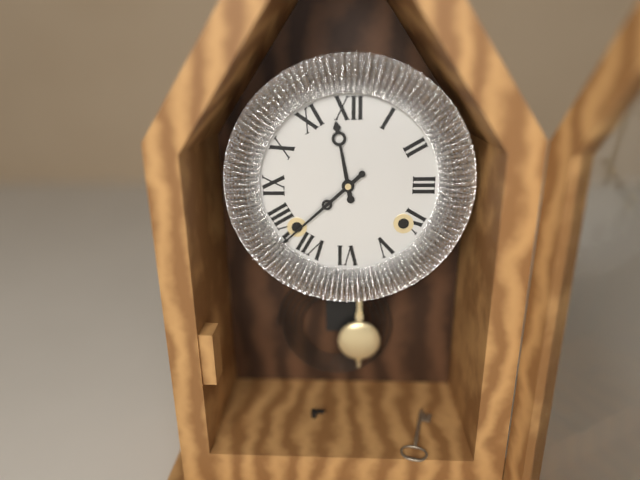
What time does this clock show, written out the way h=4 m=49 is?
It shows h=11 m=38
